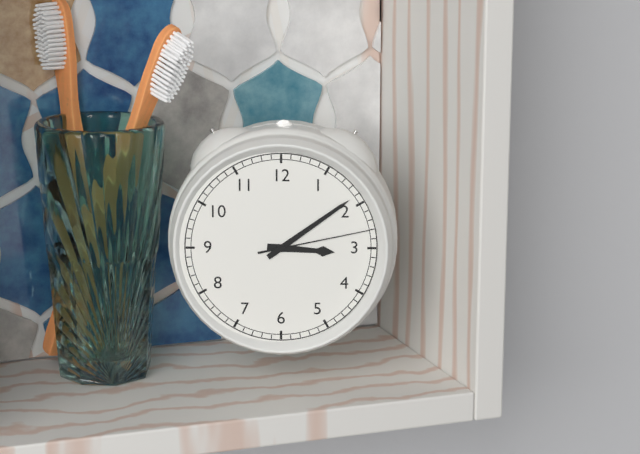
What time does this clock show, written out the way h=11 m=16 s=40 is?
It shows h=3 m=9 s=13
